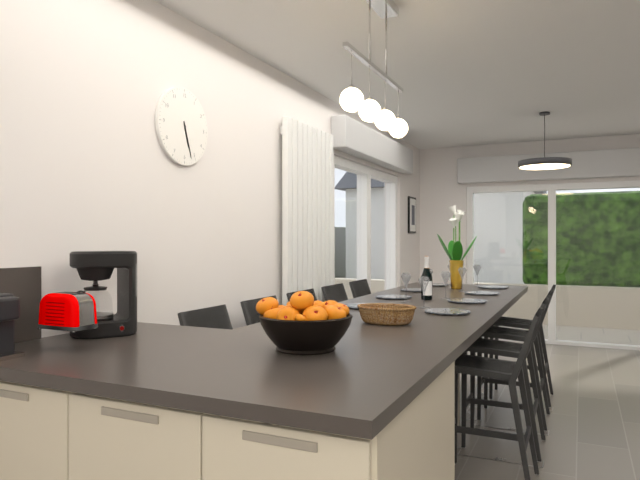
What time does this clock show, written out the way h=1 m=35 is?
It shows h=5 m=27
